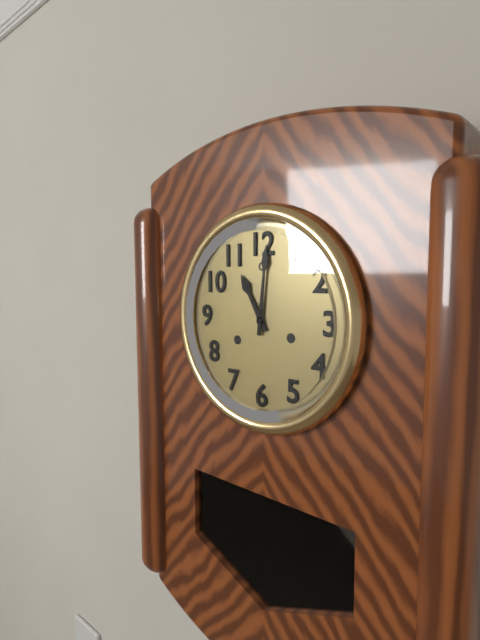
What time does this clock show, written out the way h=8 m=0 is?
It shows h=11 m=1
